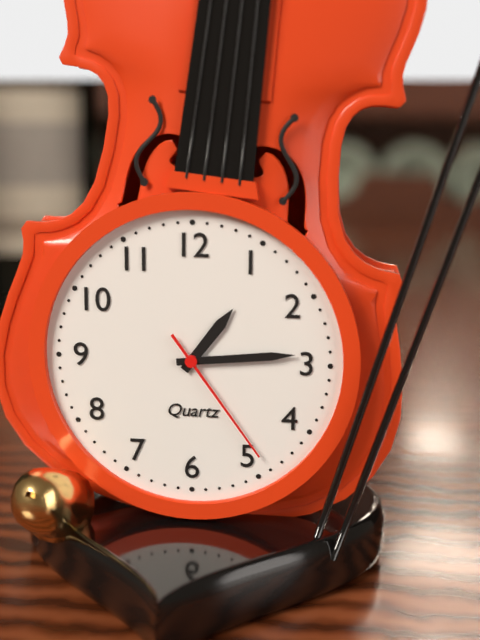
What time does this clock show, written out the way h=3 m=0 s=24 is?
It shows h=1 m=14 s=24
